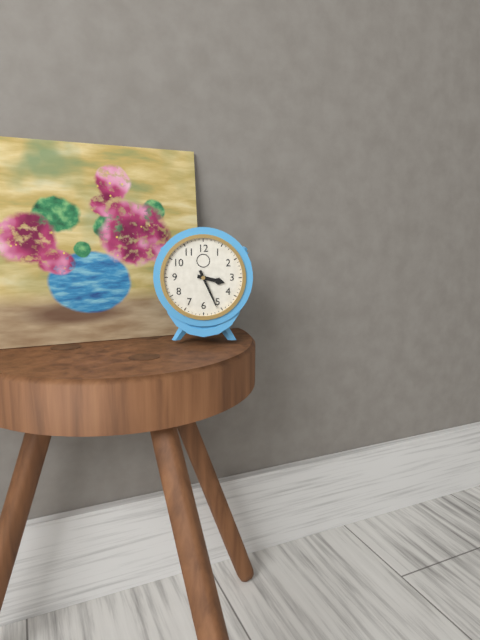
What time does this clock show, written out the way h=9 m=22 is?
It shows h=3 m=26
